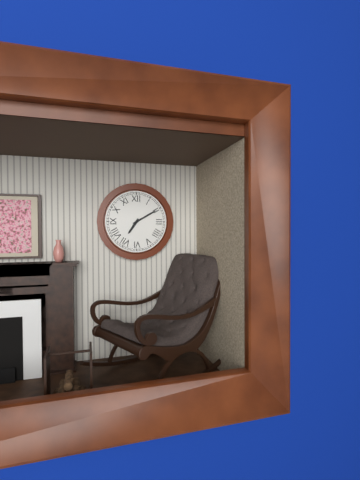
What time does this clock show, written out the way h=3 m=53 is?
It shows h=7 m=10
